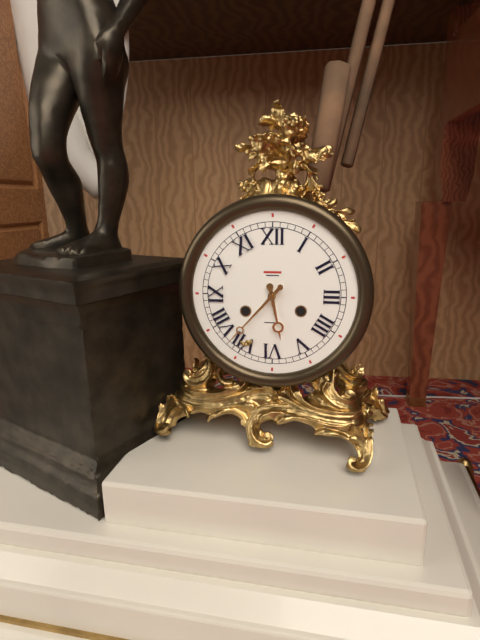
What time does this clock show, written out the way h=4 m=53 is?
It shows h=5 m=37
